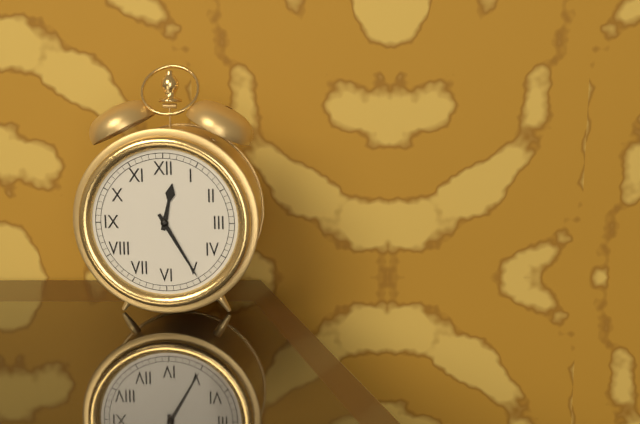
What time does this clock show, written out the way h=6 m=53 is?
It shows h=12 m=25
